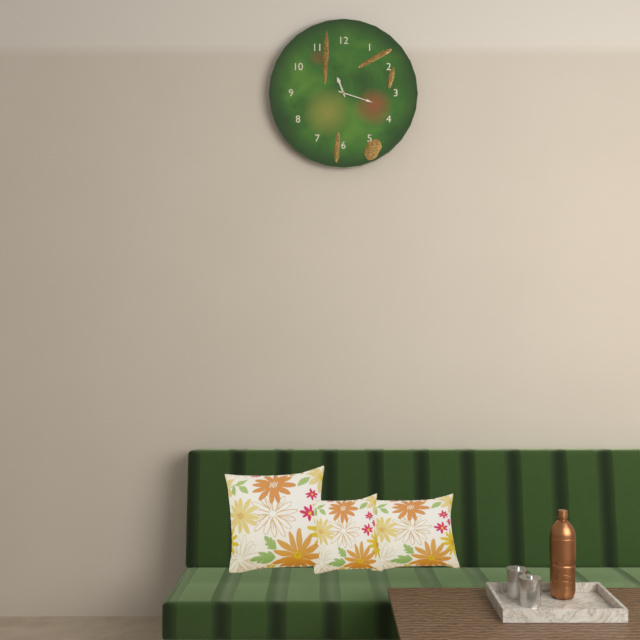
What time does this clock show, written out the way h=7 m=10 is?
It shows h=11 m=18
